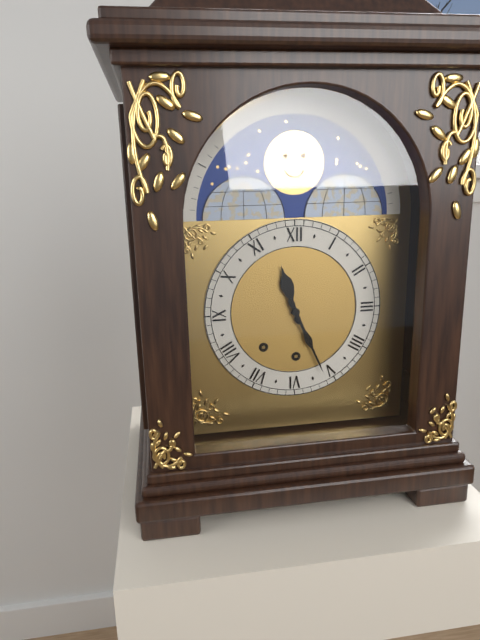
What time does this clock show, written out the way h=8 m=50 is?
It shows h=11 m=26
